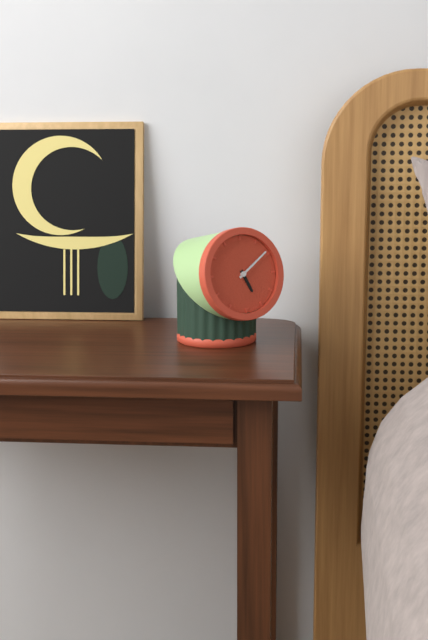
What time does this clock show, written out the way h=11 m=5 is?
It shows h=5 m=9
